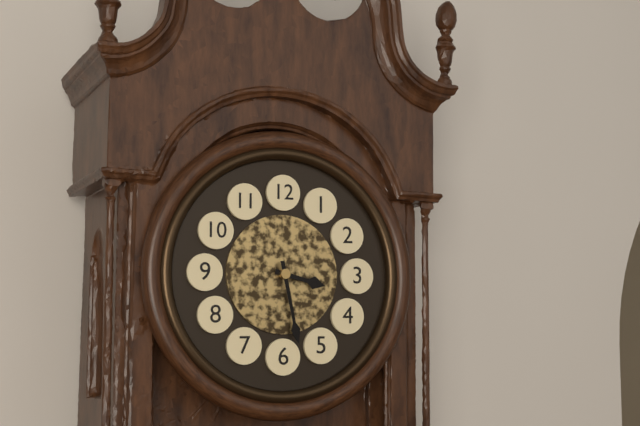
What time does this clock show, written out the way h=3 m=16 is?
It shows h=3 m=28
